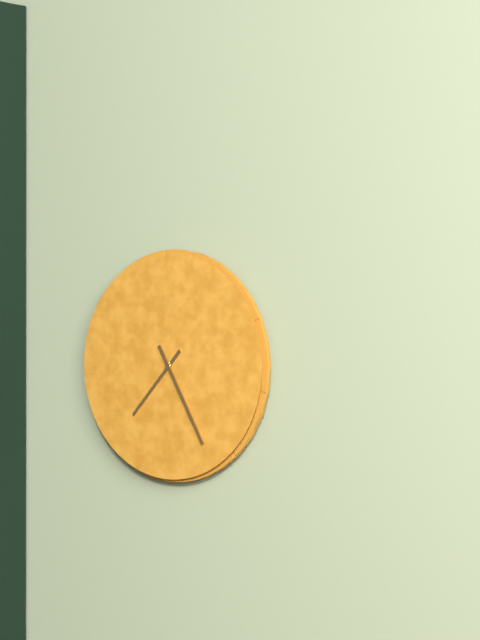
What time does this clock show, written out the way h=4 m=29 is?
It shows h=7 m=25
